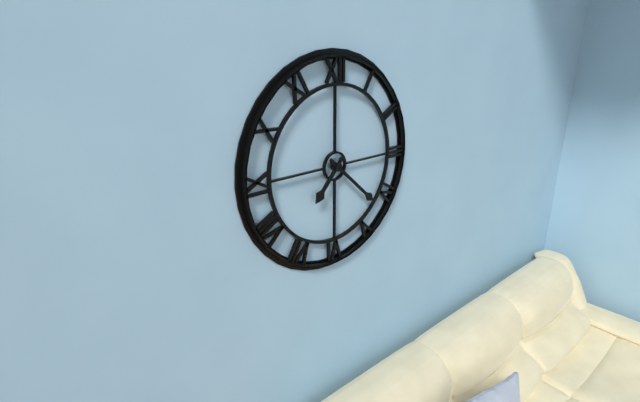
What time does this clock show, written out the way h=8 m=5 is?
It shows h=7 m=22
